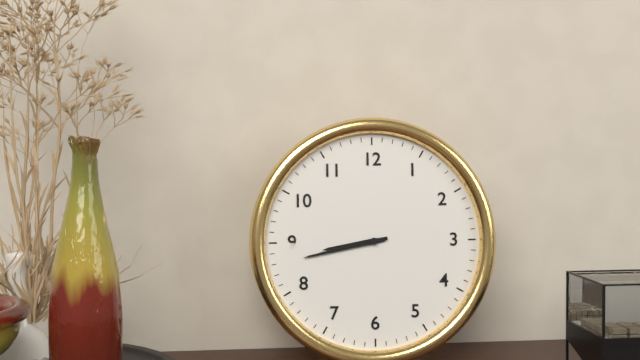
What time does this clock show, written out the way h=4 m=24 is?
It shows h=8 m=43
